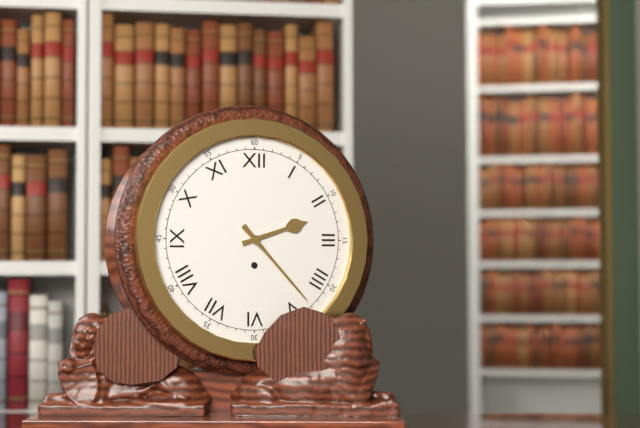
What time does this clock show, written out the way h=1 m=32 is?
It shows h=2 m=23
